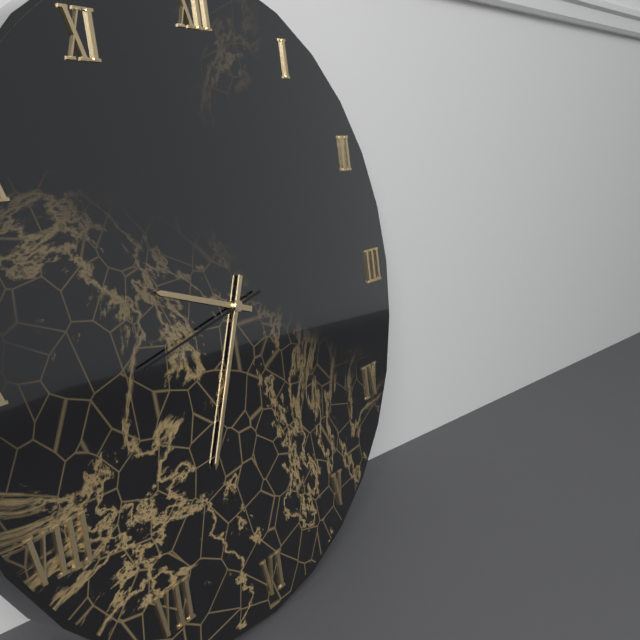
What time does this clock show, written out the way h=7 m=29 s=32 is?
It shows h=9 m=34 s=43
